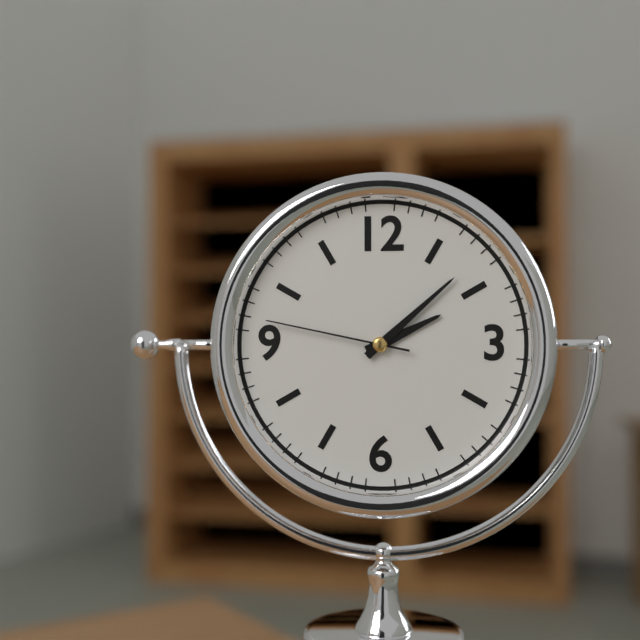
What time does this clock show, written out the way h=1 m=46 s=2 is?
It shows h=2 m=8 s=47
